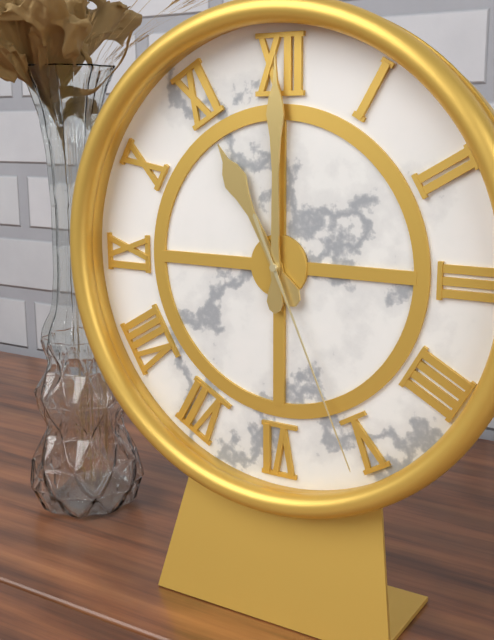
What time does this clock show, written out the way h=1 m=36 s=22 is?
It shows h=11 m=0 s=26
